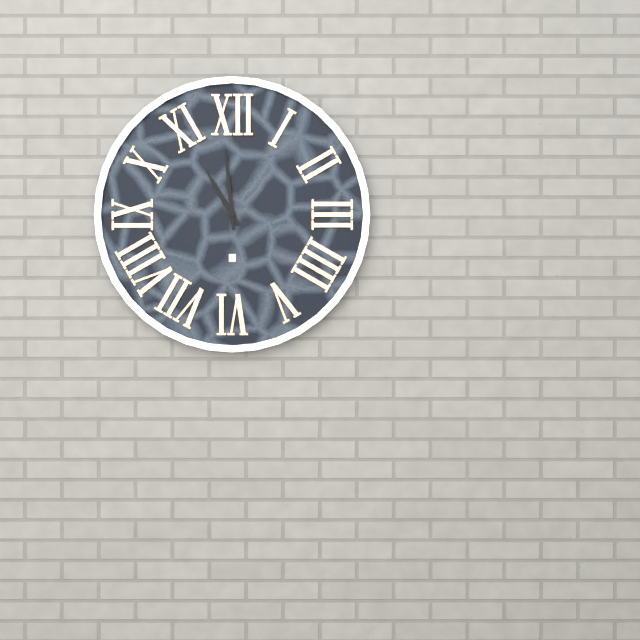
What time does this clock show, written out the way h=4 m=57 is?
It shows h=10 m=59
